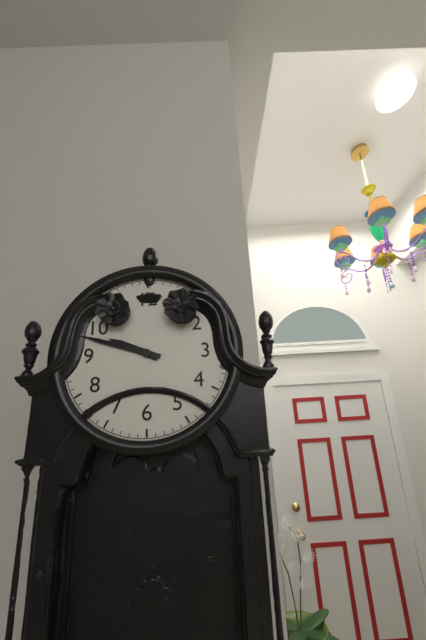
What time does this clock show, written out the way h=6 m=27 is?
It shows h=9 m=48
